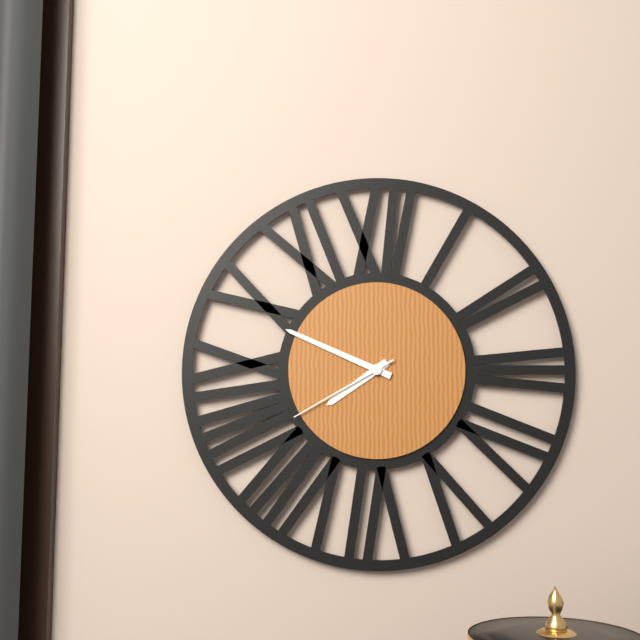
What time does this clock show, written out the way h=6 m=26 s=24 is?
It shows h=7 m=49 s=40
